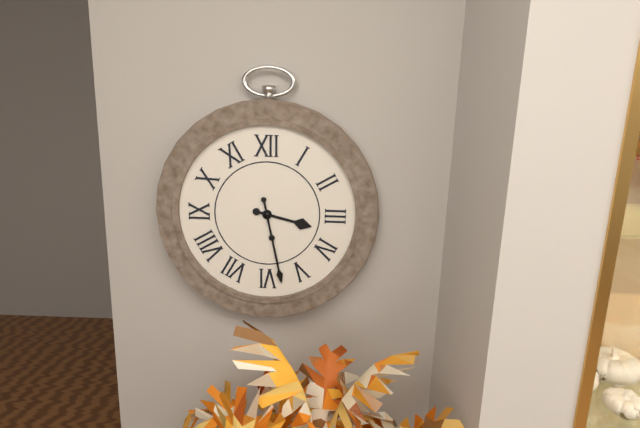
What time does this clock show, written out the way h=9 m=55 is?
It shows h=3 m=28
